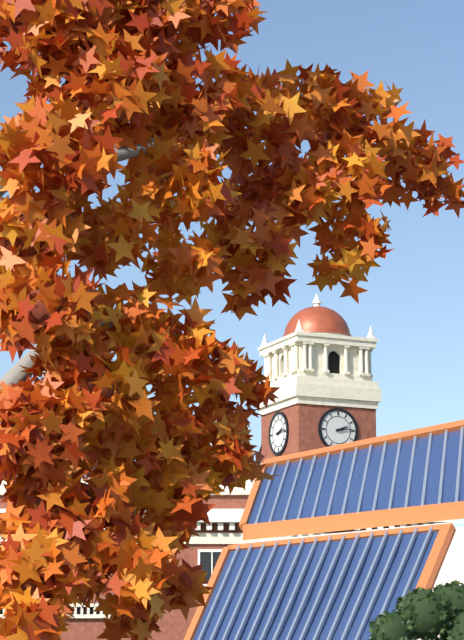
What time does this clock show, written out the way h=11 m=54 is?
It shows h=2 m=14
